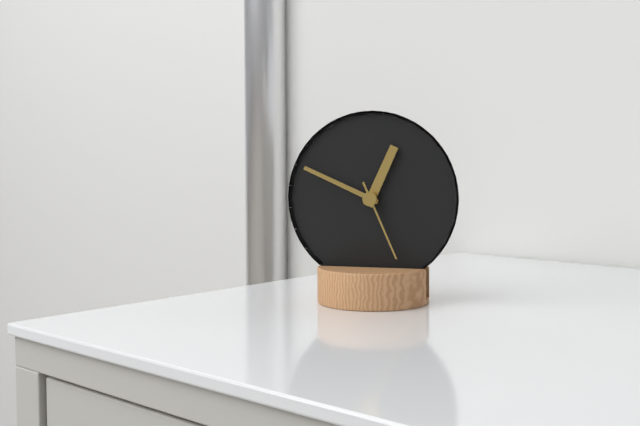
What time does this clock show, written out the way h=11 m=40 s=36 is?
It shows h=12 m=49 s=26
